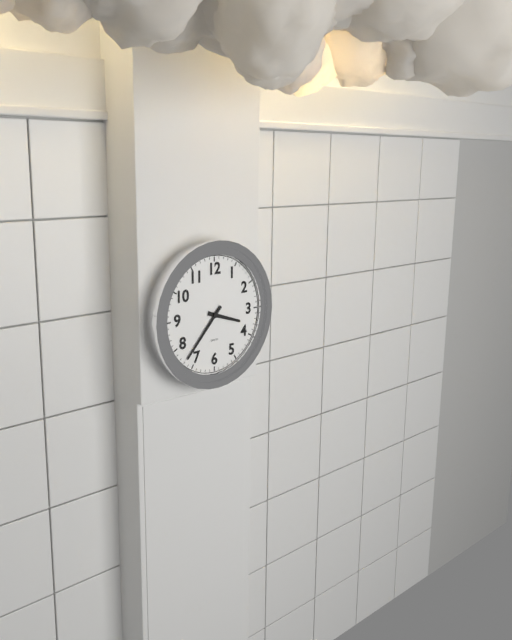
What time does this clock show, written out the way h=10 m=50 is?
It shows h=3 m=37
